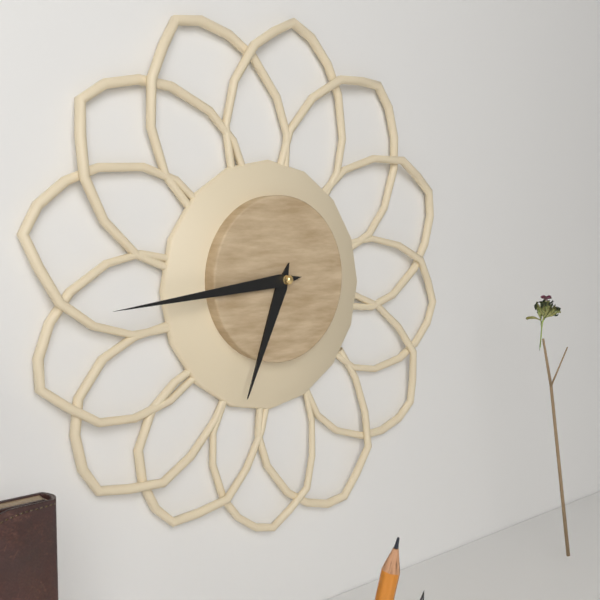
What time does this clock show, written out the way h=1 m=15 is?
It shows h=6 m=44
